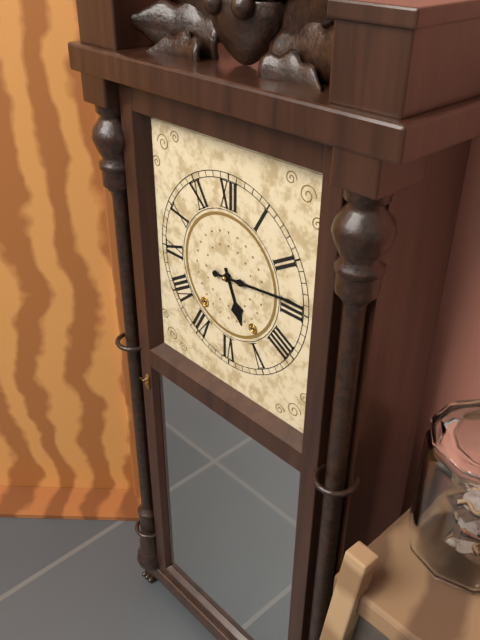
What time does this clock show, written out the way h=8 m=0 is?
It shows h=5 m=14
